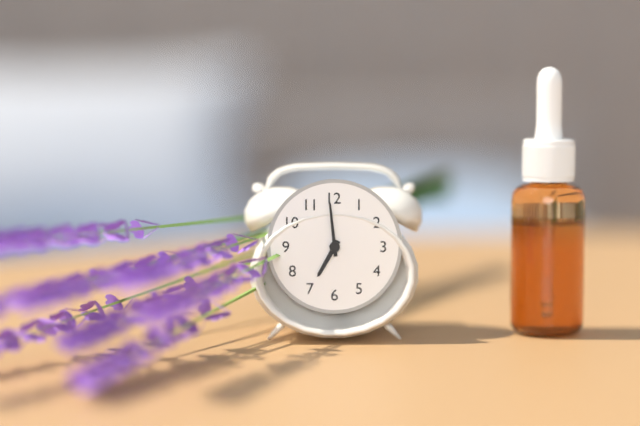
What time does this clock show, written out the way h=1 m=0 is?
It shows h=6 m=59
